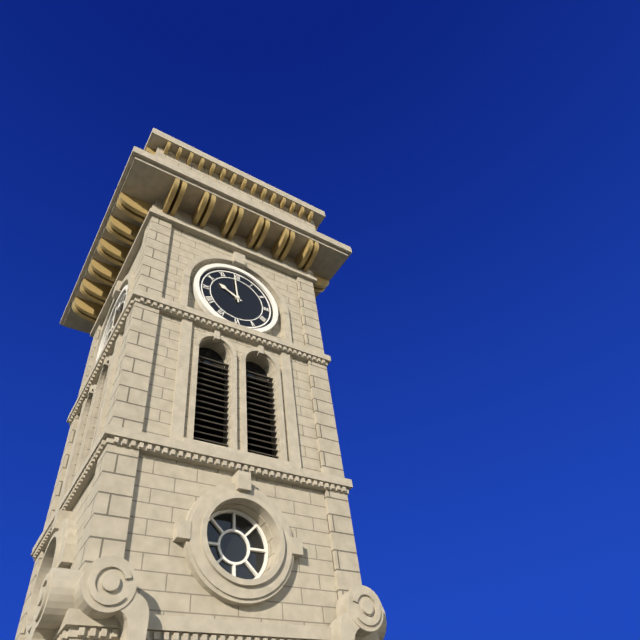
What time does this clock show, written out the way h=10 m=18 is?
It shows h=9 m=59
